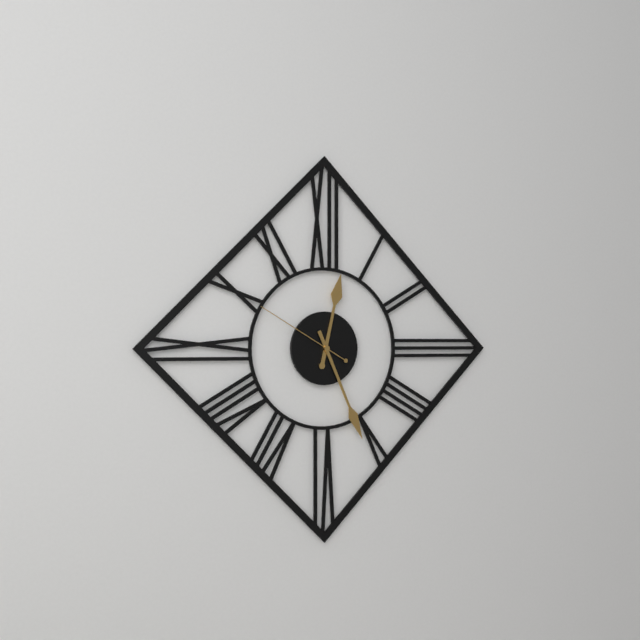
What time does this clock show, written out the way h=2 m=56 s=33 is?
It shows h=12 m=26 s=50
